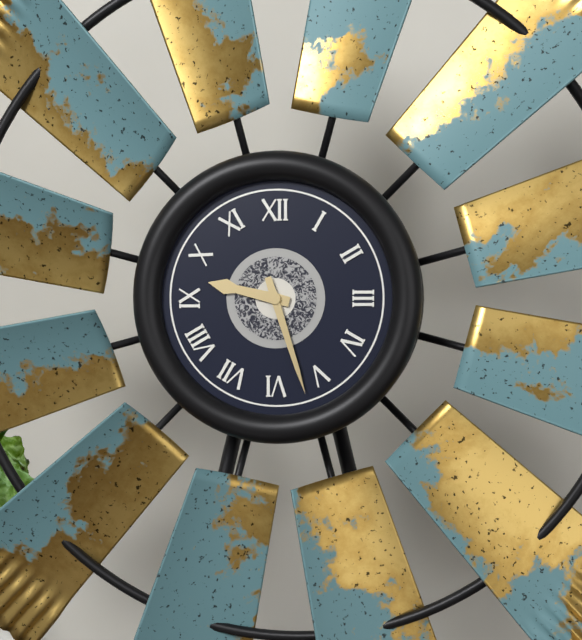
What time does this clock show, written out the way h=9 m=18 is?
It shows h=9 m=27
